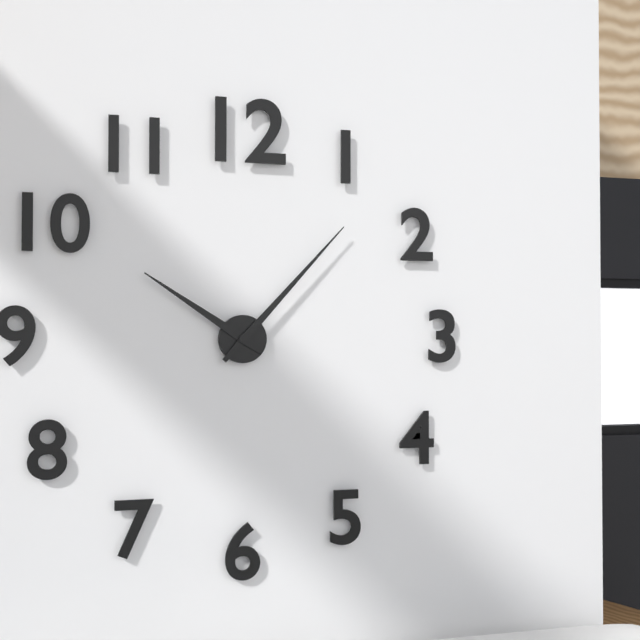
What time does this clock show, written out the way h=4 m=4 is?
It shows h=10 m=7
